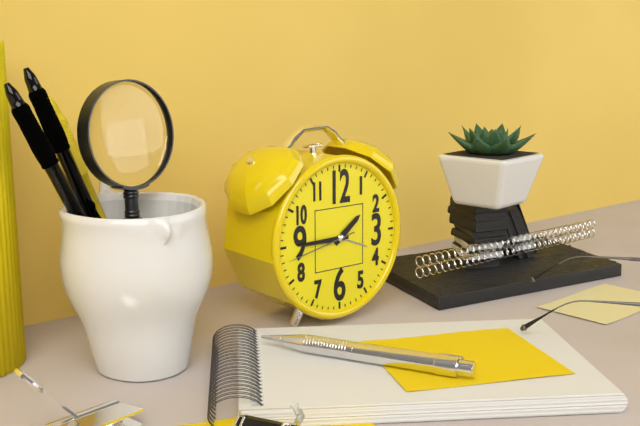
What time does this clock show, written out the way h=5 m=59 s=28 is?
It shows h=1 m=45 s=43
